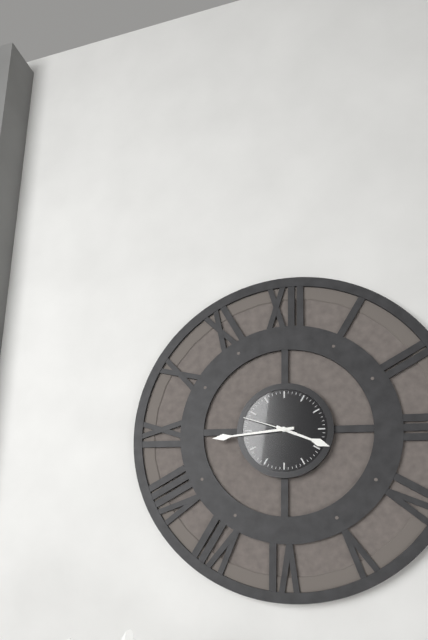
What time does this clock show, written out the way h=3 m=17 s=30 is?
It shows h=3 m=44 s=48
